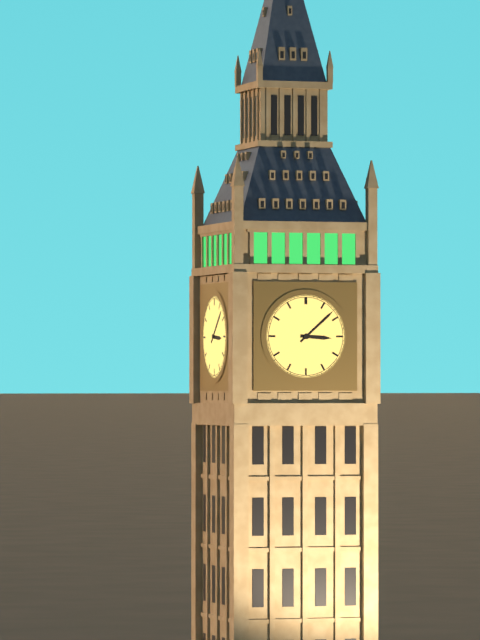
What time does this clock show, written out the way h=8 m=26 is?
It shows h=3 m=8
